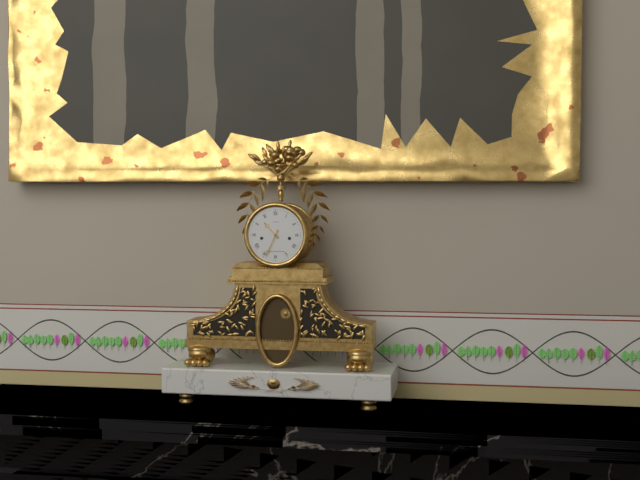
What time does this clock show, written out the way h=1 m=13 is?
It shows h=10 m=34
